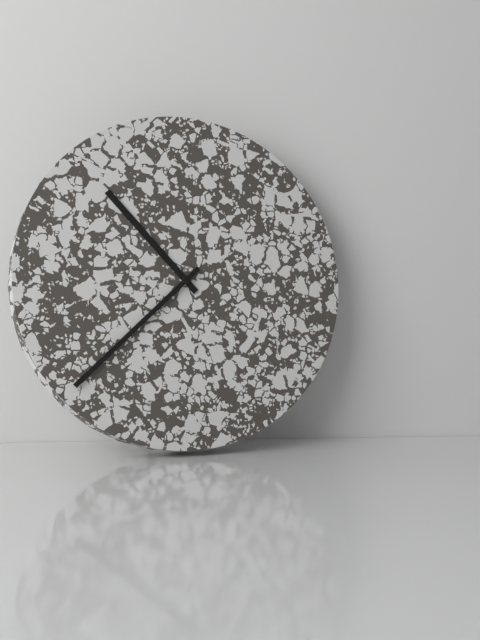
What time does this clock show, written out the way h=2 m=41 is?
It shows h=10 m=38
